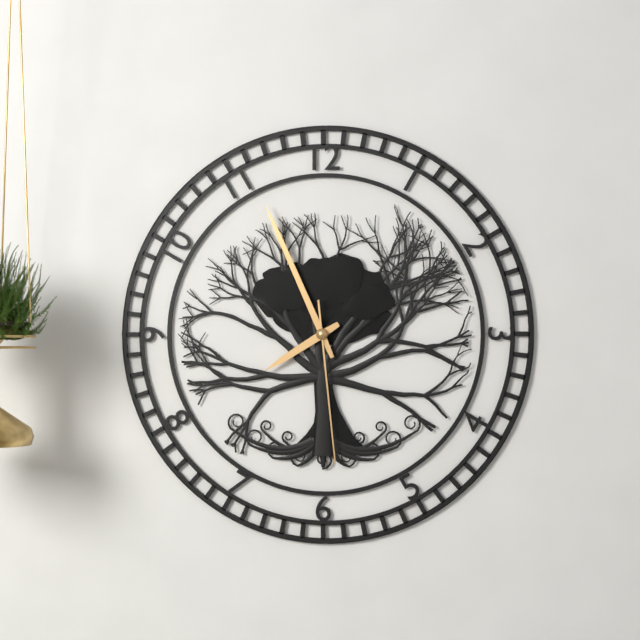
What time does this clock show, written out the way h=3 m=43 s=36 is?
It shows h=7 m=56 s=29
